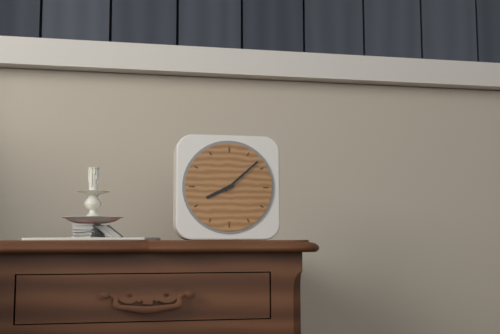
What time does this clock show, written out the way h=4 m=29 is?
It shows h=8 m=8
